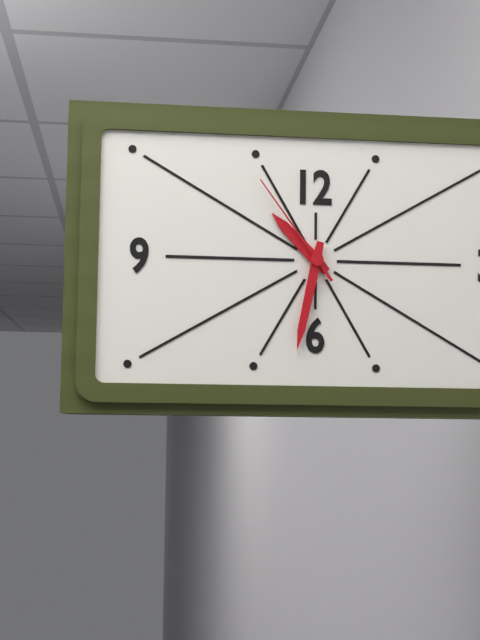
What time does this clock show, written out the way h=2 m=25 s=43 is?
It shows h=10 m=32 s=54
